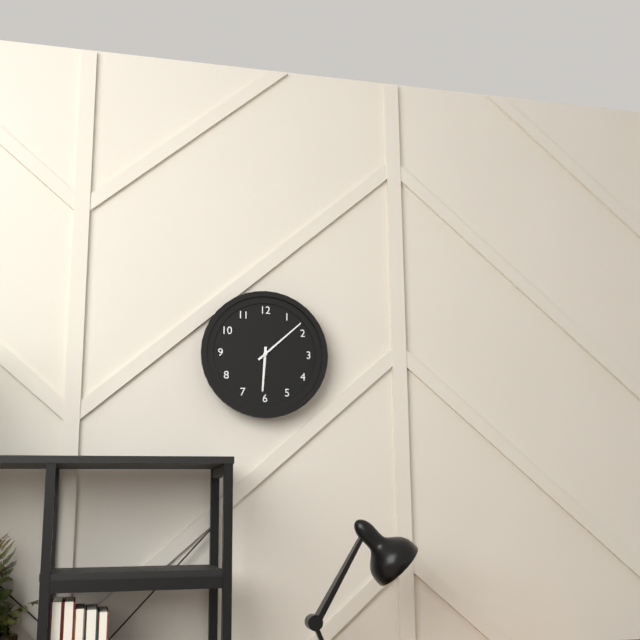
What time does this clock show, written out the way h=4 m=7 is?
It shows h=6 m=8
